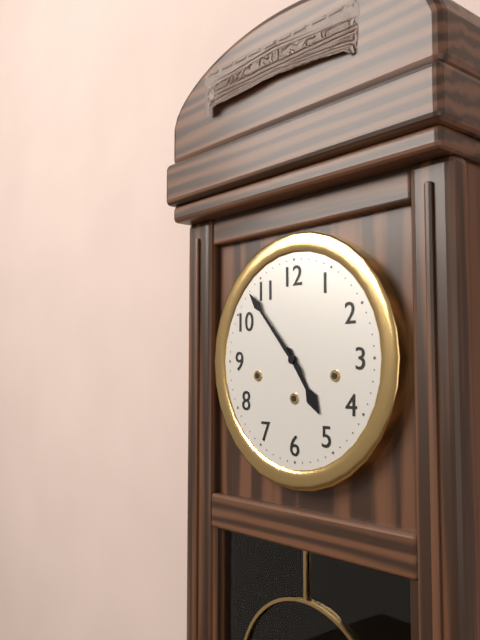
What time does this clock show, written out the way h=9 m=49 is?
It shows h=4 m=53
